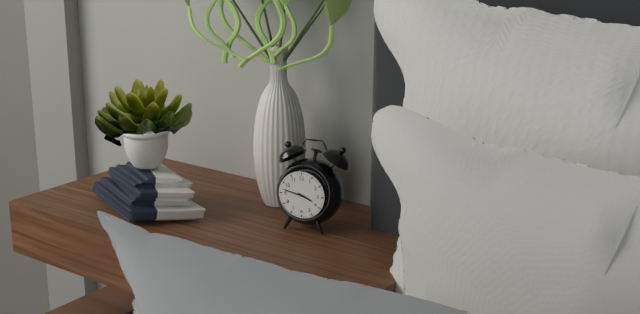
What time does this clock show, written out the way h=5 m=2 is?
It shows h=3 m=47
